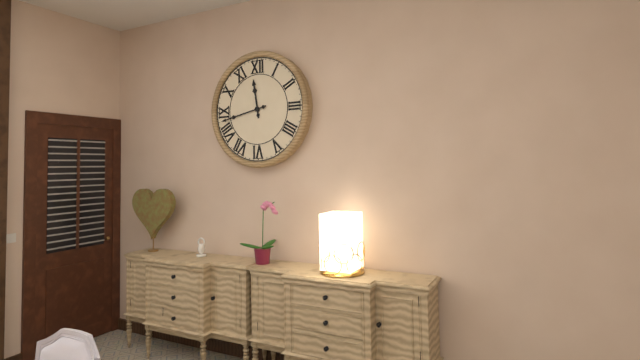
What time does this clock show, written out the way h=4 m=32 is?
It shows h=11 m=43
